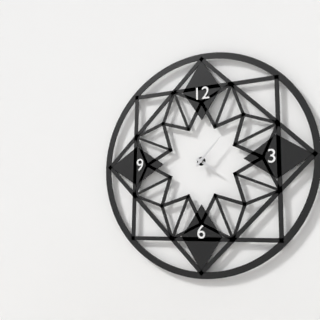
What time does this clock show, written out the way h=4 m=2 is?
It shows h=4 m=7
